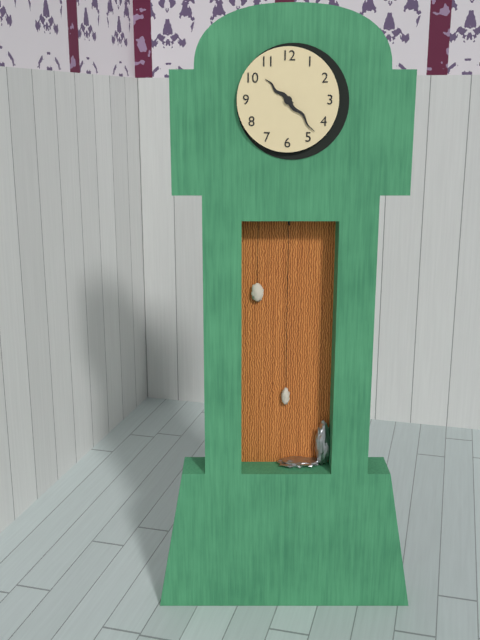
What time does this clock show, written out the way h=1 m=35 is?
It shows h=10 m=23
